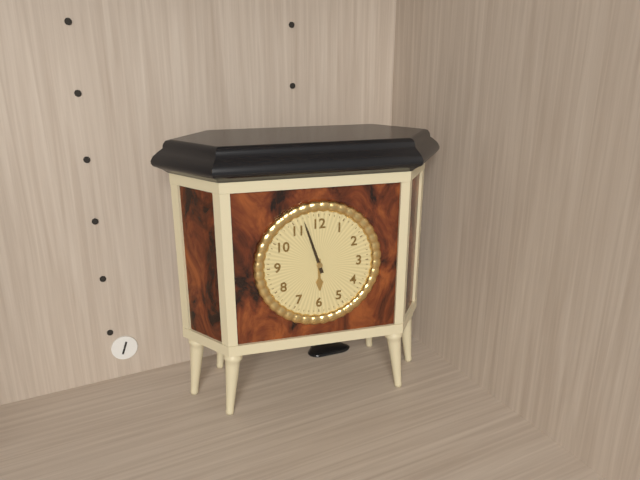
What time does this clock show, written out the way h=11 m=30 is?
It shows h=5 m=57
